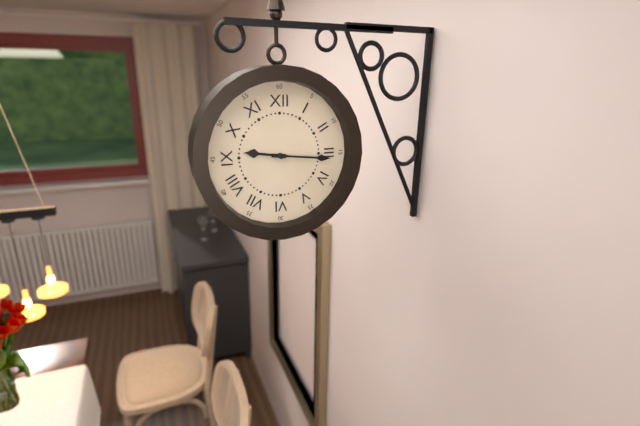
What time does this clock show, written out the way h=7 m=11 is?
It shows h=9 m=16
